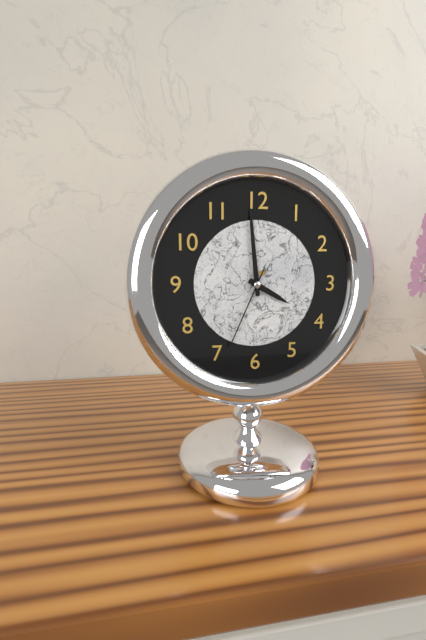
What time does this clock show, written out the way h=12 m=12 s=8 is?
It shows h=3 m=59 s=34
